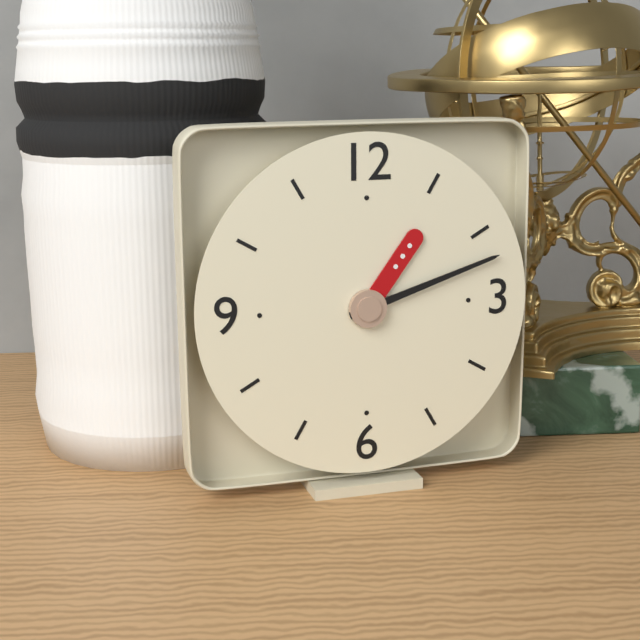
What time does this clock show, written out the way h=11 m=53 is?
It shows h=1 m=12
